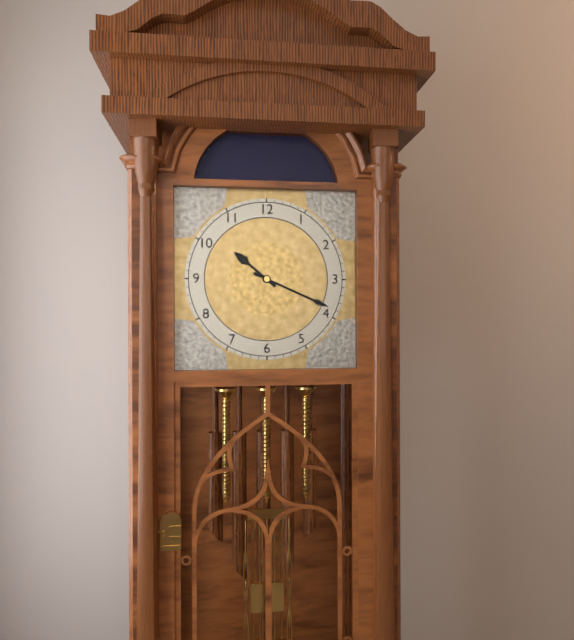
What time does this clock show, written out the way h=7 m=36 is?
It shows h=10 m=19
